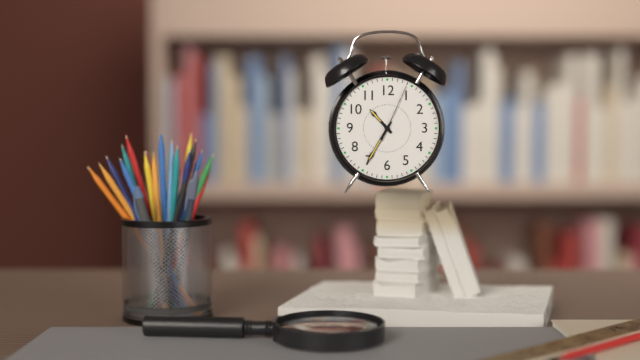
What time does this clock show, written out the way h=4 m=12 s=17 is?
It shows h=10 m=35 s=4
